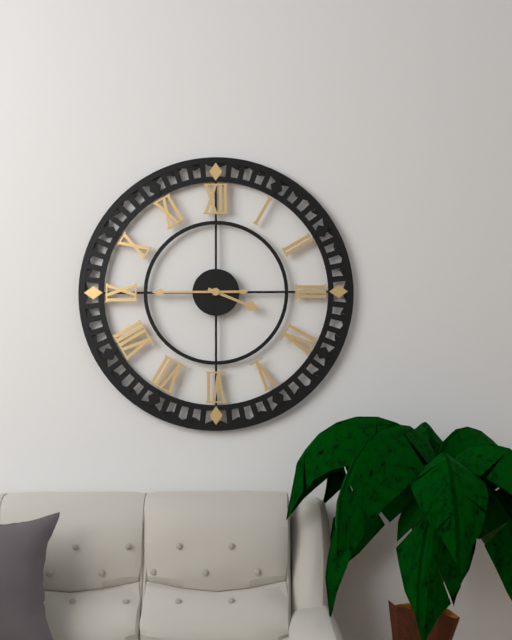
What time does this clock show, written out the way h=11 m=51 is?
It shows h=3 m=45
